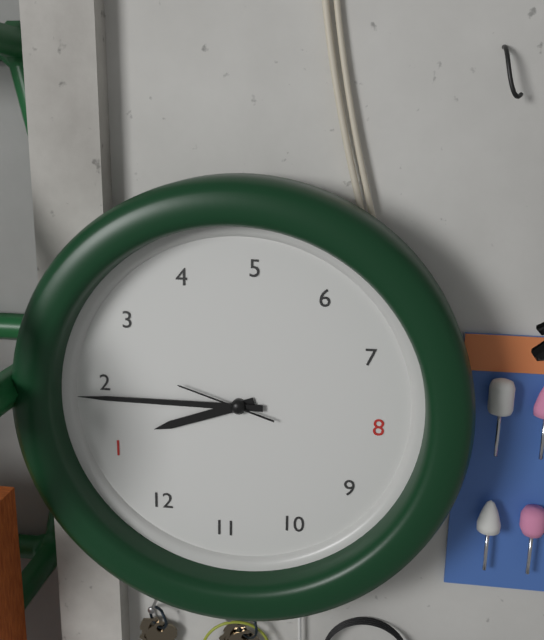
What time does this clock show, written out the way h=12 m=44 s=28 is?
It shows h=1 m=9 s=12
